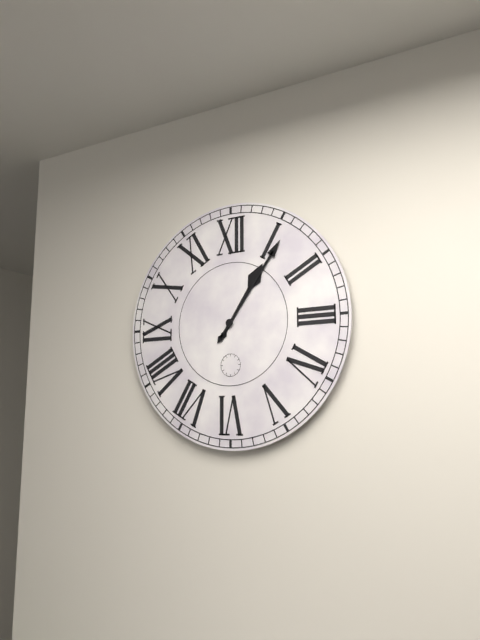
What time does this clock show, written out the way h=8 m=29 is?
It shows h=1 m=6
